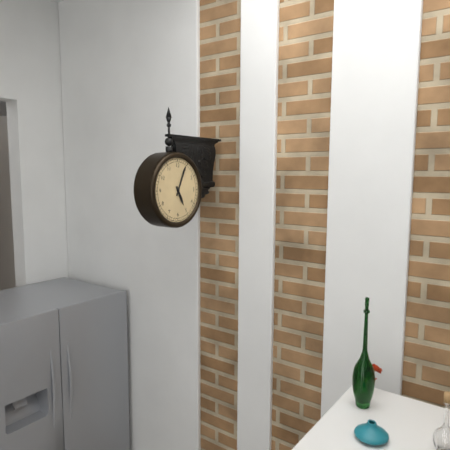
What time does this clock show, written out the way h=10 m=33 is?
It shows h=5 m=4
